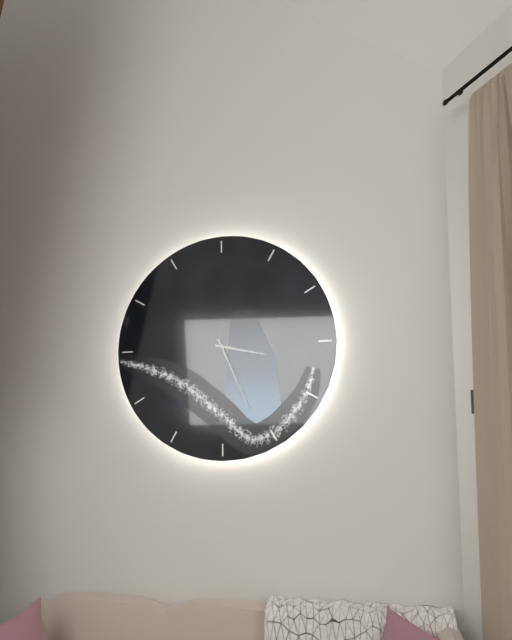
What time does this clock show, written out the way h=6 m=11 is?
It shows h=3 m=26
